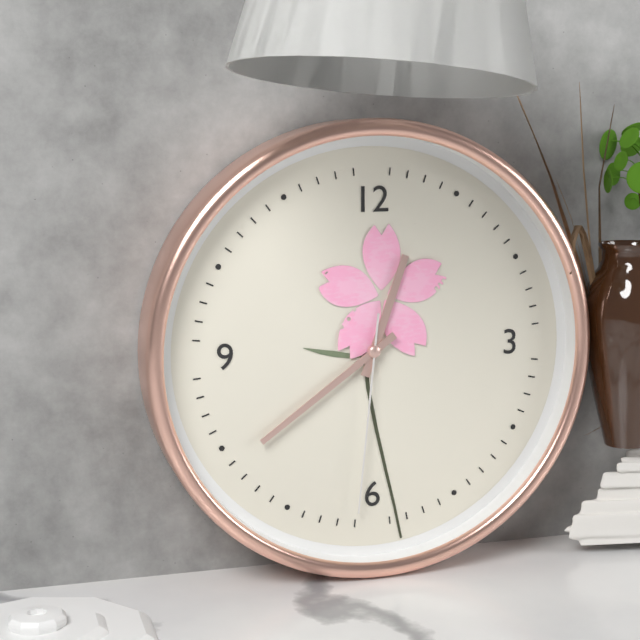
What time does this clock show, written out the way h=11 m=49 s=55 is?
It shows h=12 m=39 s=31
